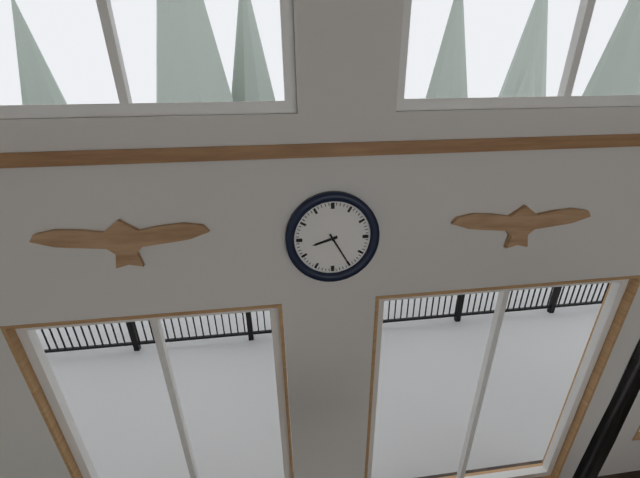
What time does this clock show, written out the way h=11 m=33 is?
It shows h=8 m=25
